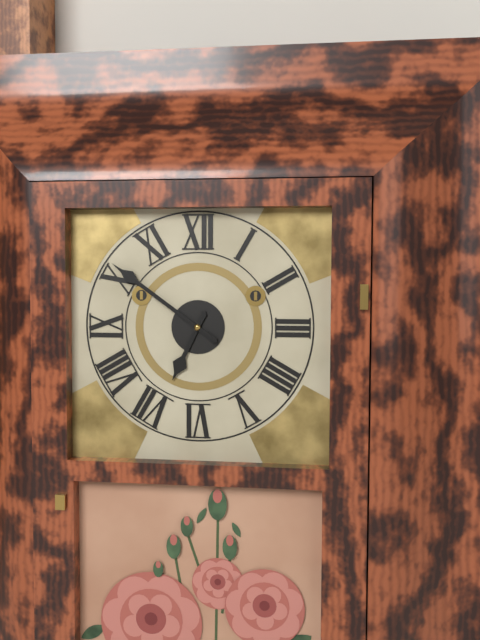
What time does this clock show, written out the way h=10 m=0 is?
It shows h=6 m=51
